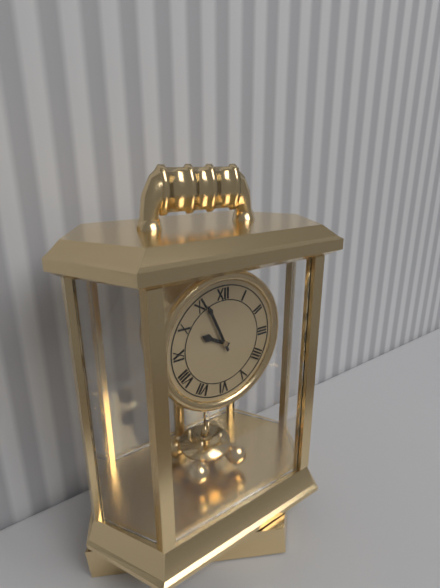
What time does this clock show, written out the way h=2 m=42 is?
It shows h=9 m=56
